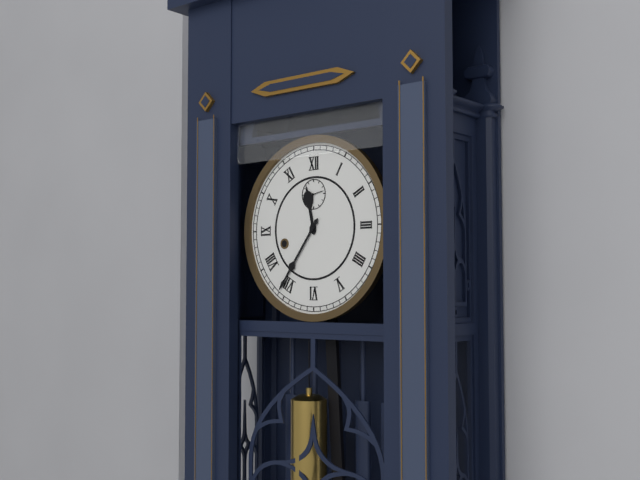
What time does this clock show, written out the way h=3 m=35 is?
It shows h=11 m=36
